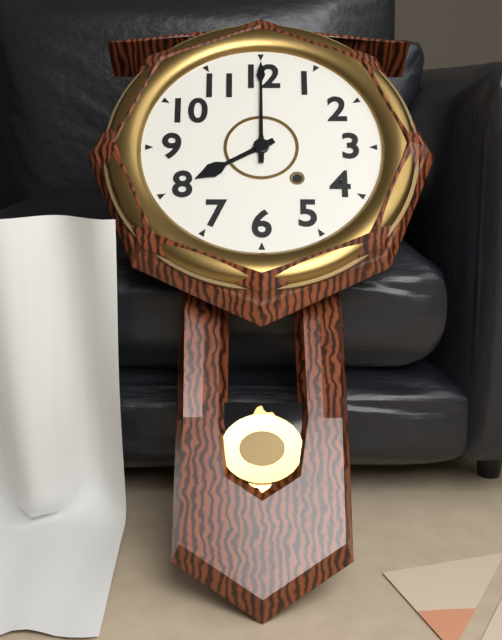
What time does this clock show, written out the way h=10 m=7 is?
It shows h=8 m=0
